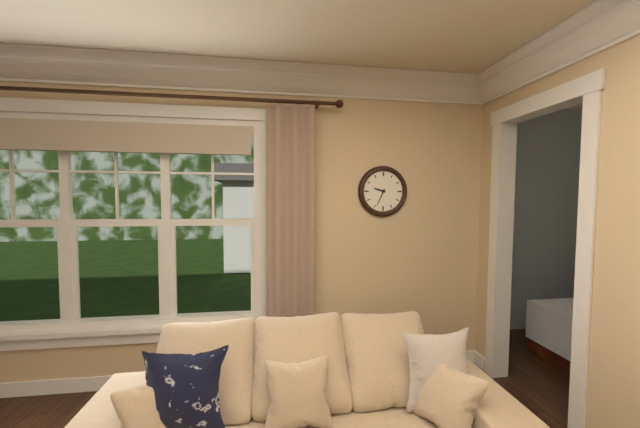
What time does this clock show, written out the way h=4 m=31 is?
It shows h=9 m=34
